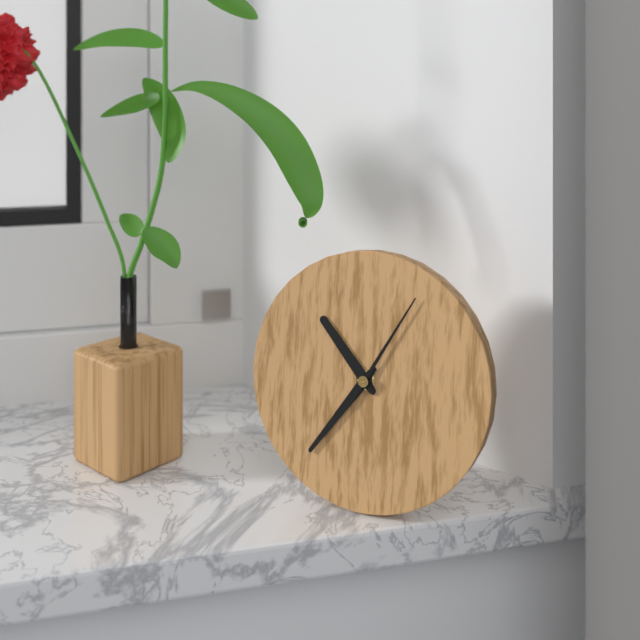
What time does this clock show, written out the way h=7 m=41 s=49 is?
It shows h=10 m=36 s=5
